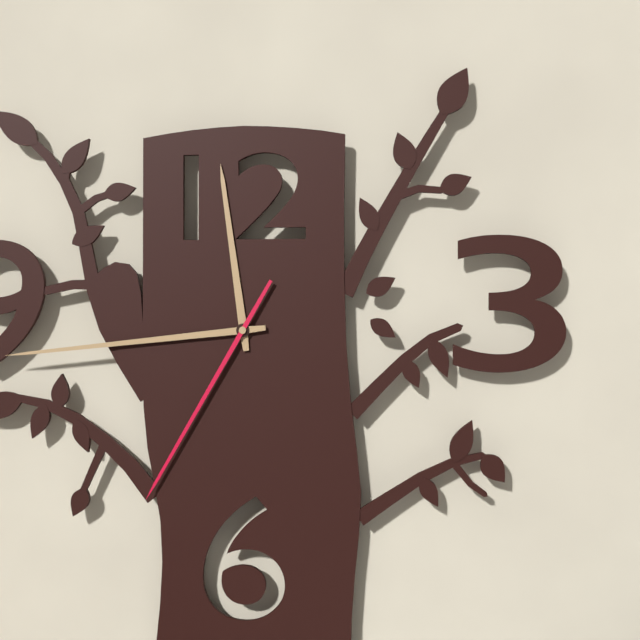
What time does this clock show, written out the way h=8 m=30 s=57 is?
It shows h=11 m=44 s=35
